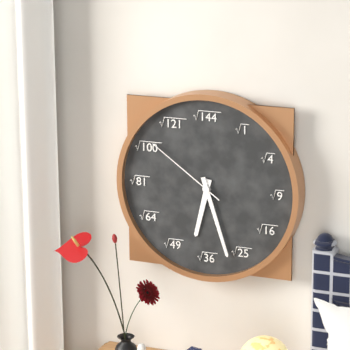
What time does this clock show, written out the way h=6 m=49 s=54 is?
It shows h=6 m=27 s=51
